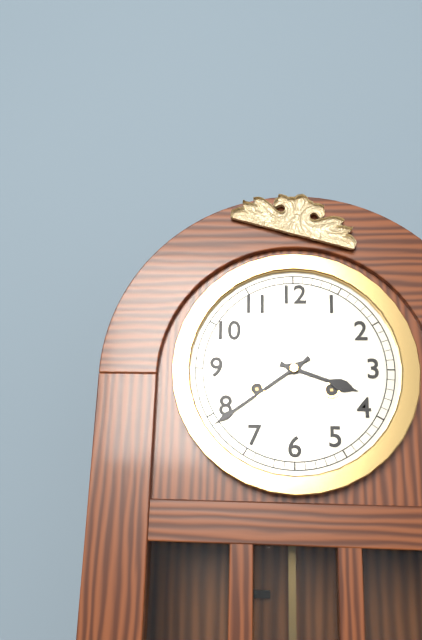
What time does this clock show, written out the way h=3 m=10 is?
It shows h=3 m=39
